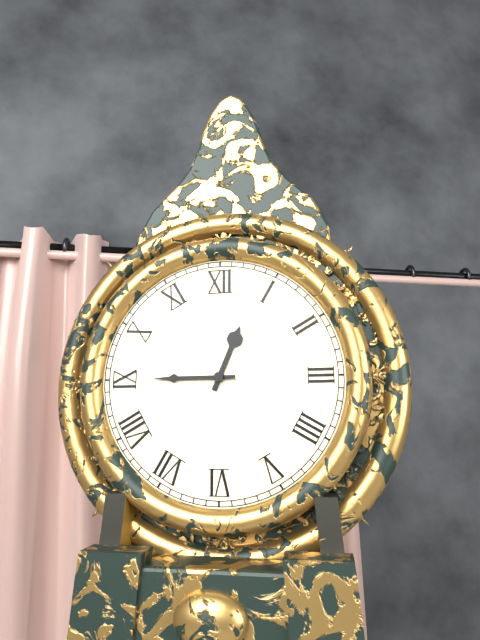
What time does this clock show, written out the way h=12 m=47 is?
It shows h=12 m=45
